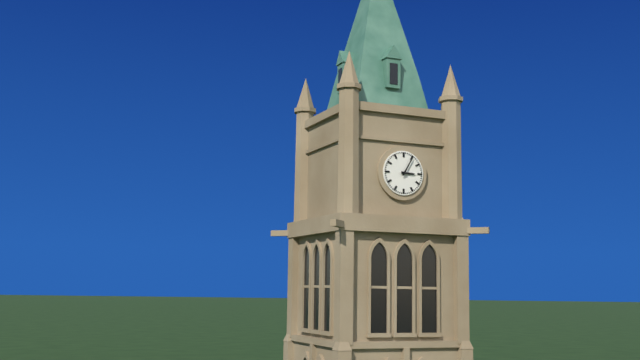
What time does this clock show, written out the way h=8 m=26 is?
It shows h=3 m=5
